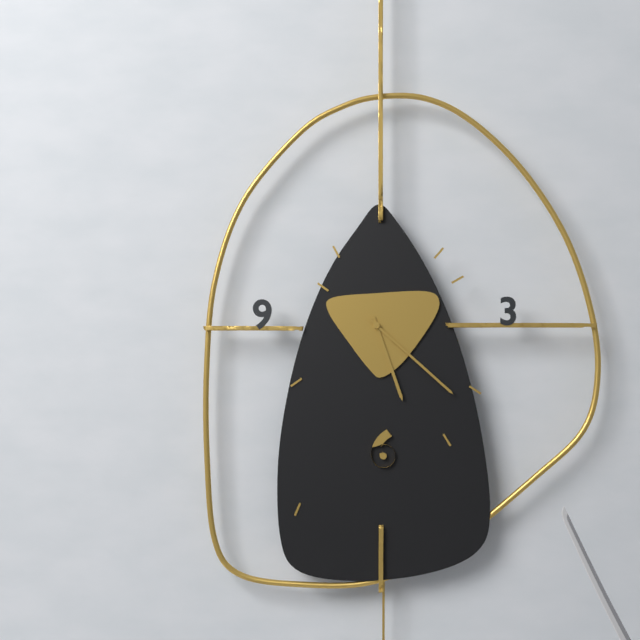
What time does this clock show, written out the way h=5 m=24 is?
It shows h=5 m=22
